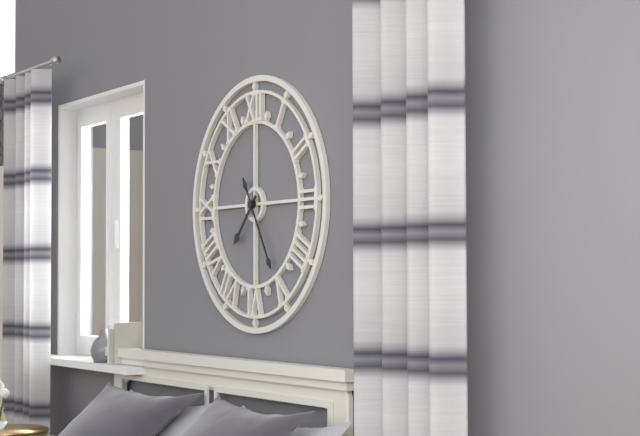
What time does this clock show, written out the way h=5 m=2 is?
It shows h=7 m=25
